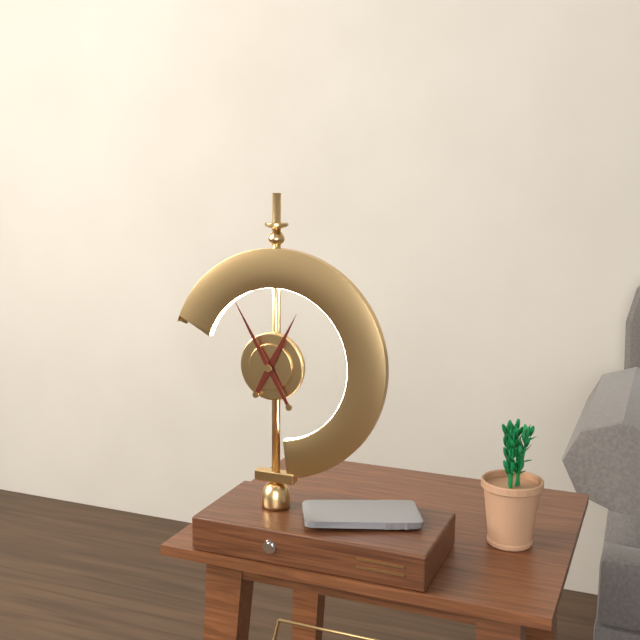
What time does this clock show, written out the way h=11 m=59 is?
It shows h=12 m=55
